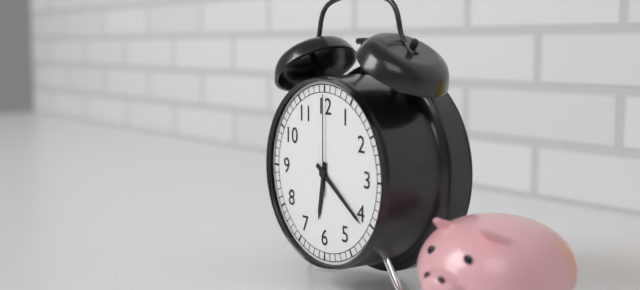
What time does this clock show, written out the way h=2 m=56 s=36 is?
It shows h=6 m=21 s=0
